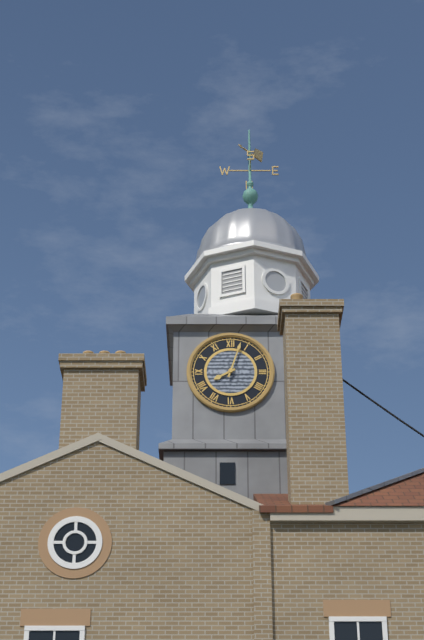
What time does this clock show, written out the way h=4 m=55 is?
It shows h=8 m=3
